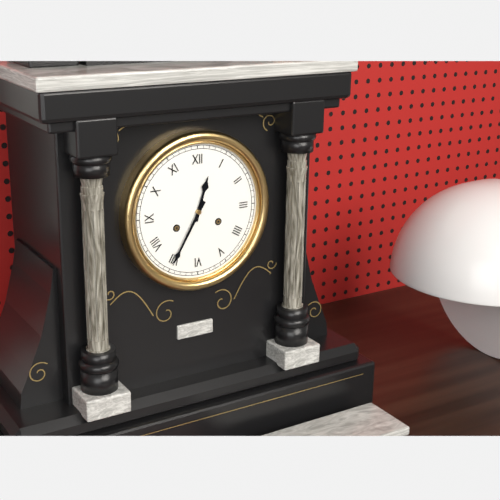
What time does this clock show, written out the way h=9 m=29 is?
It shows h=12 m=35
